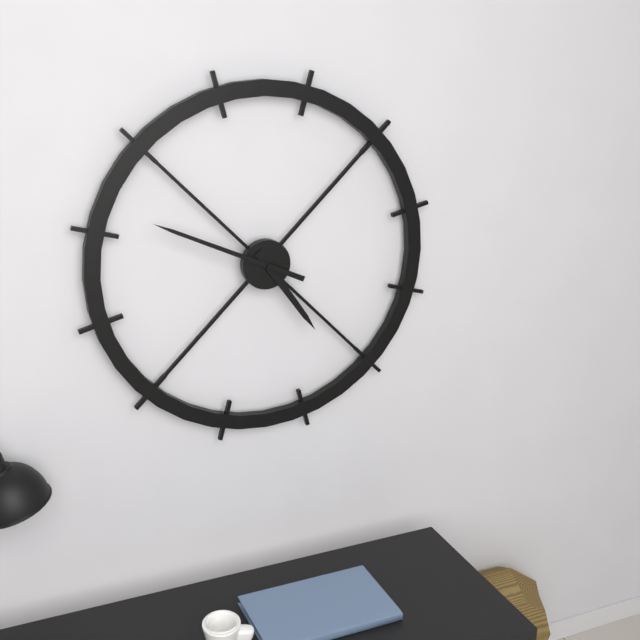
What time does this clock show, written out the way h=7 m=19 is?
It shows h=4 m=49
